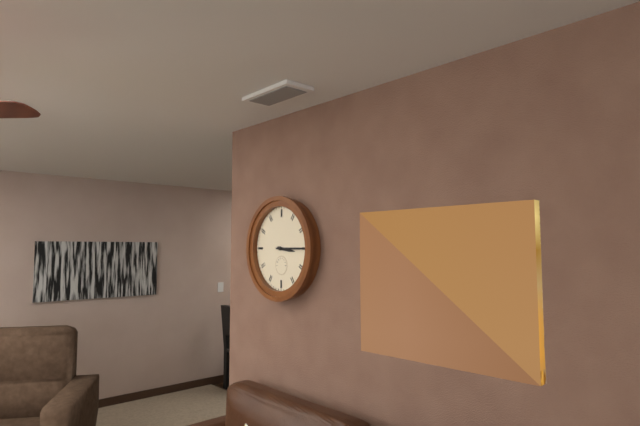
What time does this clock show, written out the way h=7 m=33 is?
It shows h=3 m=15
